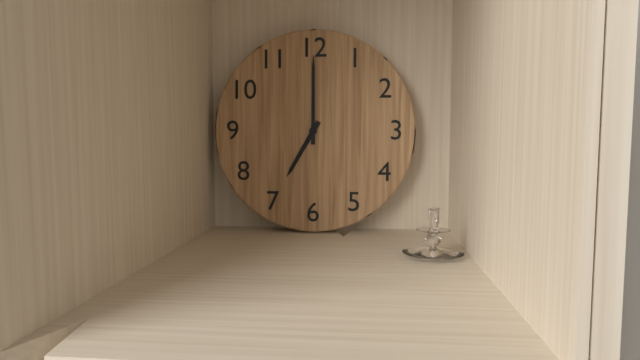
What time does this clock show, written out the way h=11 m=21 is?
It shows h=7 m=0
